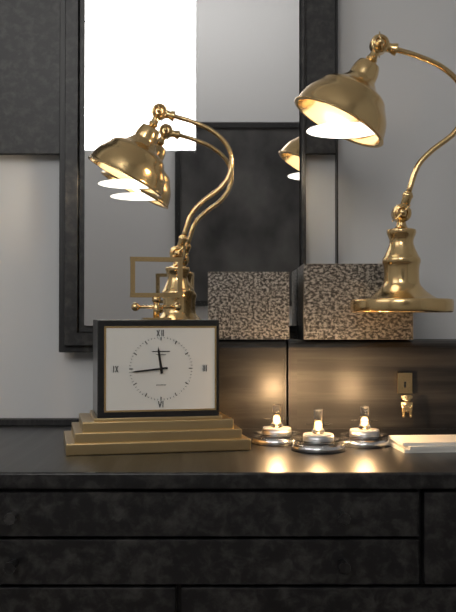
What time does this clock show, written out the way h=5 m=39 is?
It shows h=11 m=44
